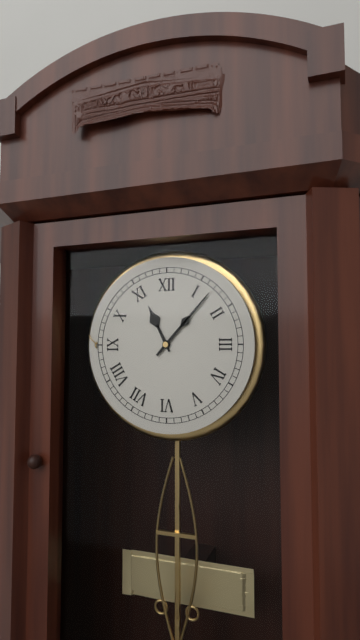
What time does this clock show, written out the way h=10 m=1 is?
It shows h=11 m=7
